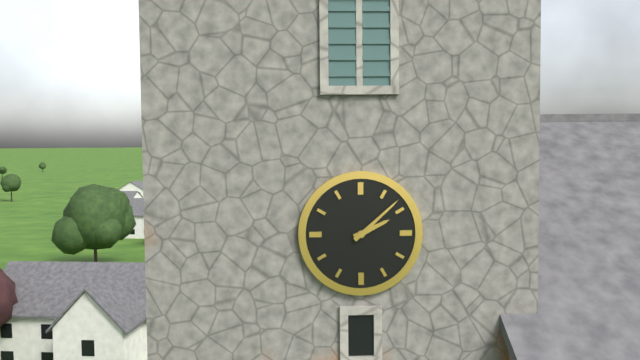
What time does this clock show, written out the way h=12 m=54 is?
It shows h=2 m=8
